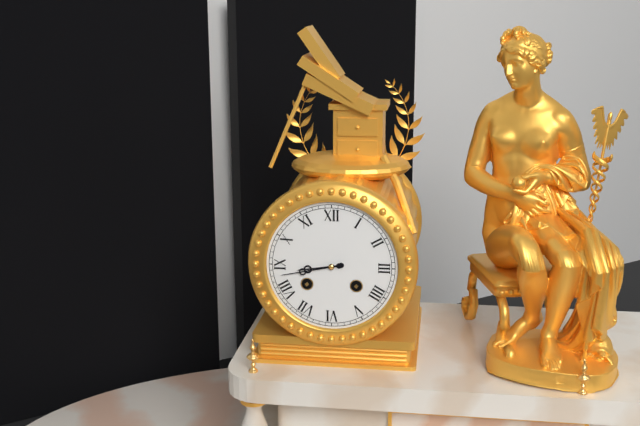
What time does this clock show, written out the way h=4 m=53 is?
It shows h=8 m=43
